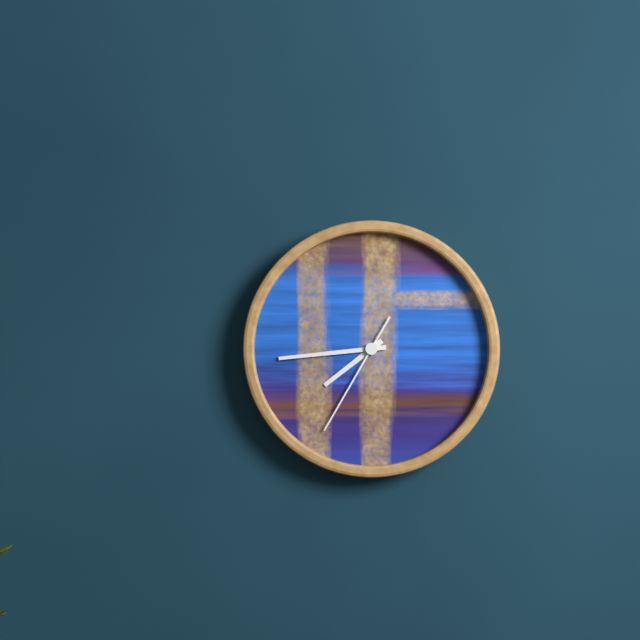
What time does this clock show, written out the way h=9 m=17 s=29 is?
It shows h=7 m=44 s=35
